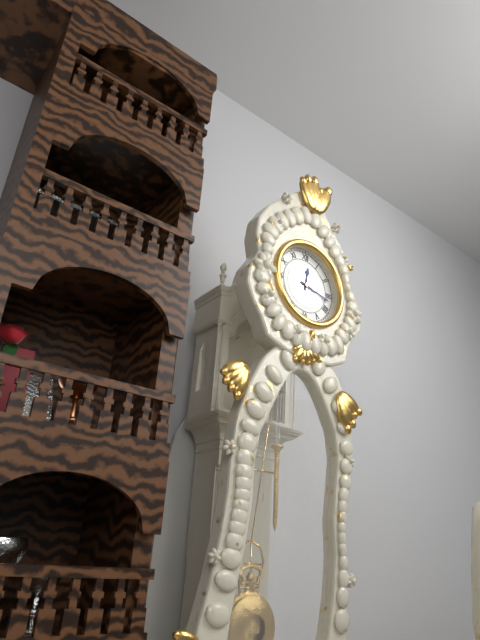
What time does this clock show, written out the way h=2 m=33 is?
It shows h=12 m=17
